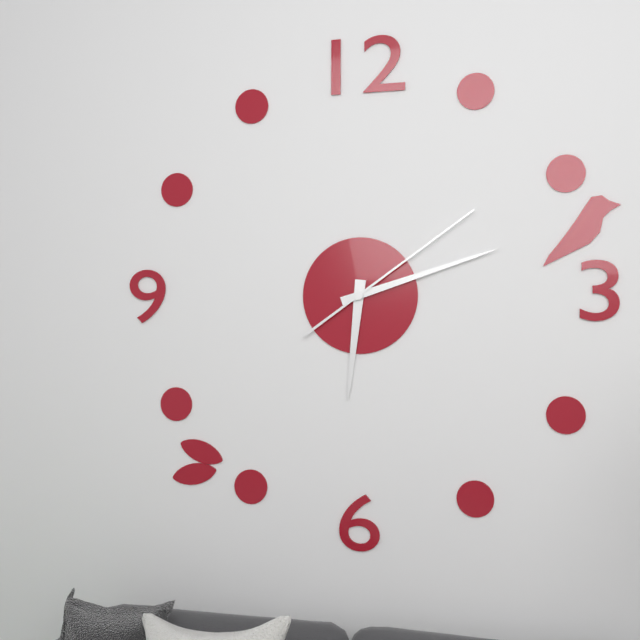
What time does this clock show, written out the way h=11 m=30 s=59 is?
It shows h=6 m=12 s=9
